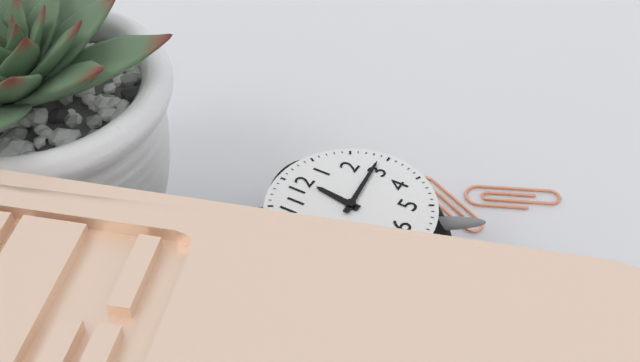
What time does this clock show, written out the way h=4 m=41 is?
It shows h=12 m=14
